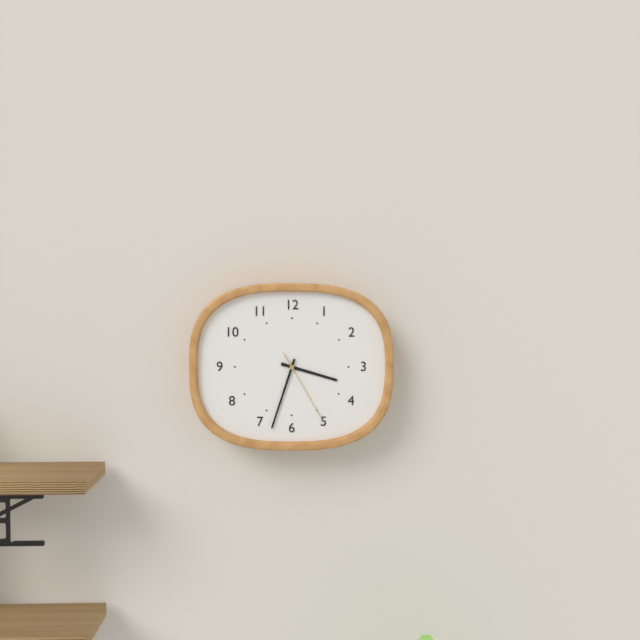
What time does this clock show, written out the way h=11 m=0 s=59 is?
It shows h=3 m=33 s=25
